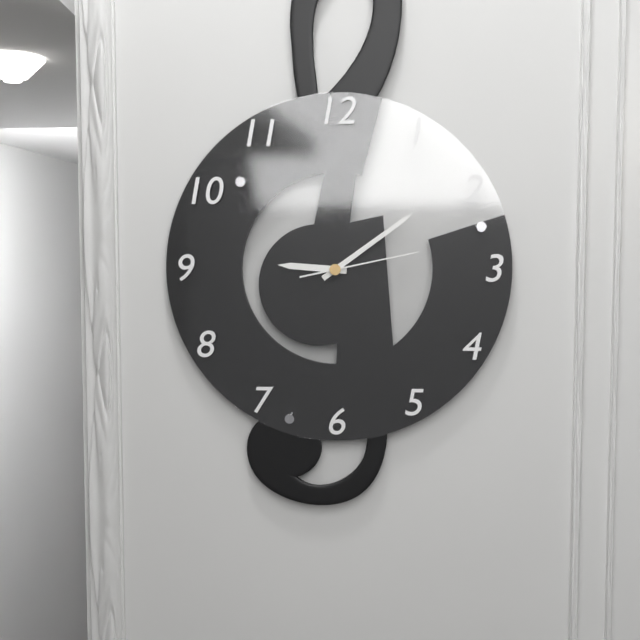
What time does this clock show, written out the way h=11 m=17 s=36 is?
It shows h=9 m=9 s=13
